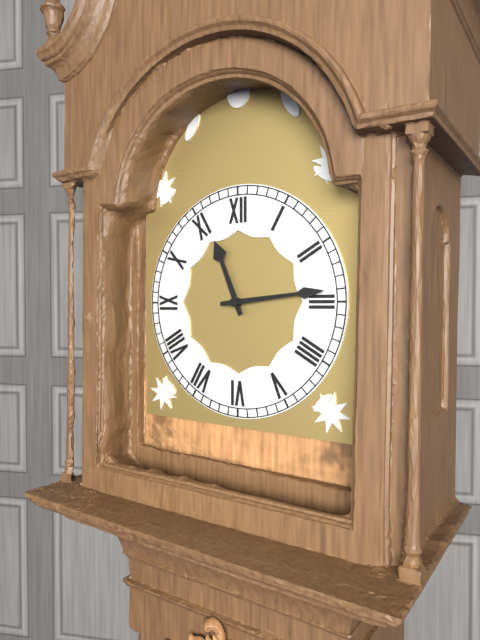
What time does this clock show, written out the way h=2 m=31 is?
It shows h=11 m=14
